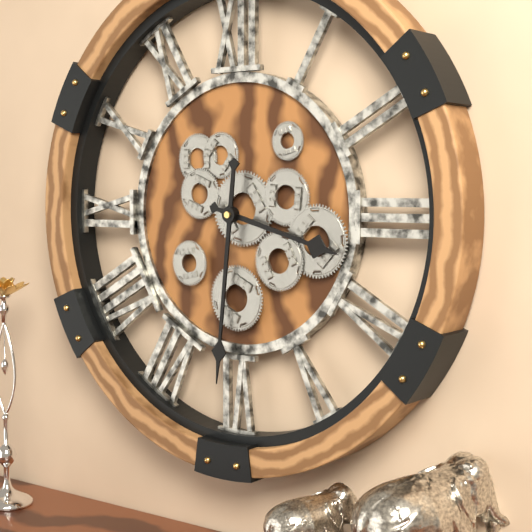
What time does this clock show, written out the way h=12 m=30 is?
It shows h=3 m=31
